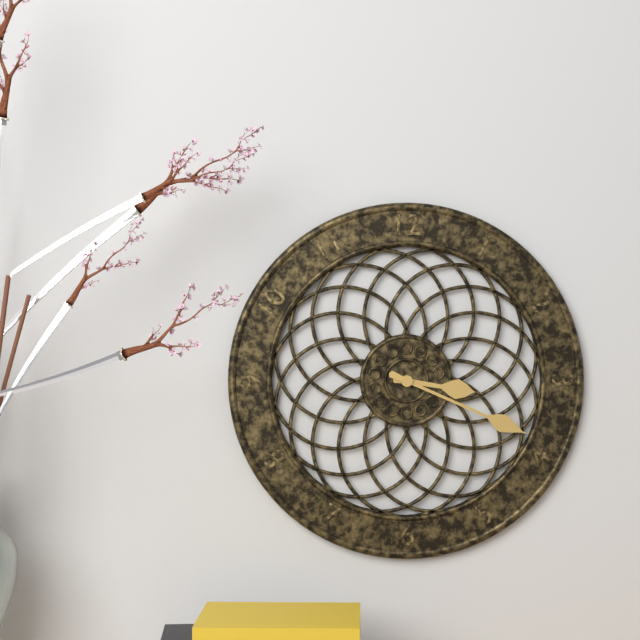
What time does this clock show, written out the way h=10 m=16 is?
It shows h=3 m=19
